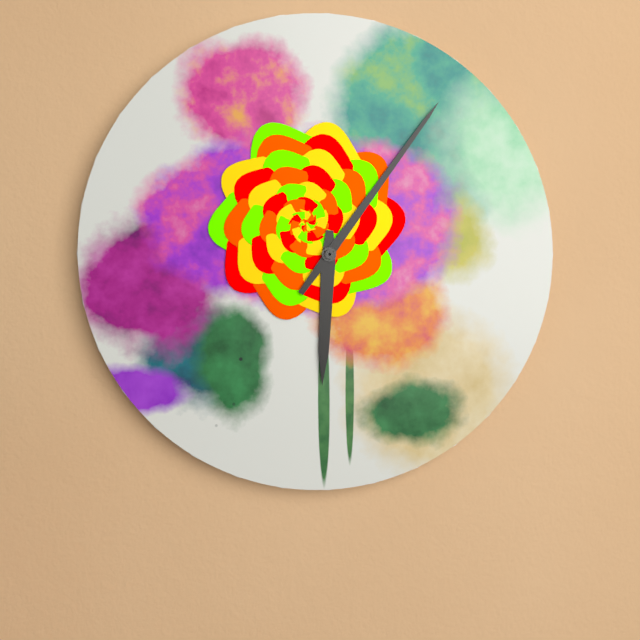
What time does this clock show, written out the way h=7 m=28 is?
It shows h=6 m=6
